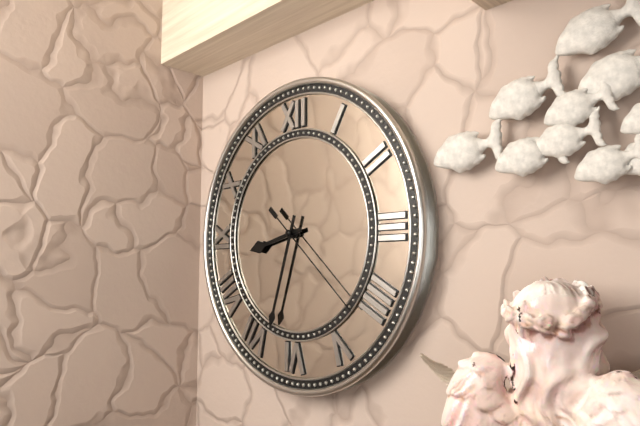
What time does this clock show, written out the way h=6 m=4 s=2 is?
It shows h=8 m=33 s=22
